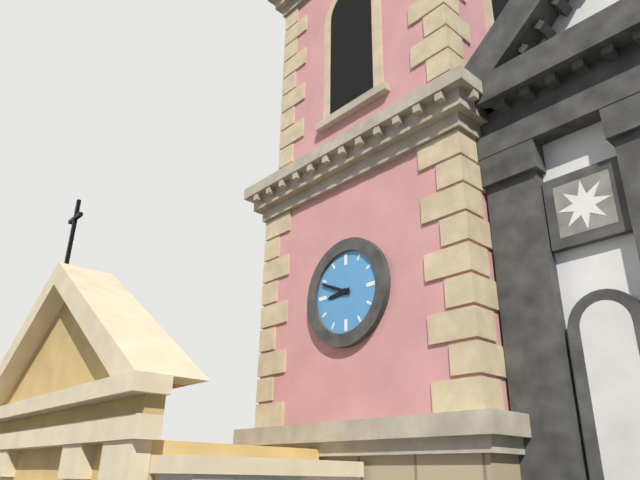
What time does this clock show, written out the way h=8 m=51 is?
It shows h=8 m=49
